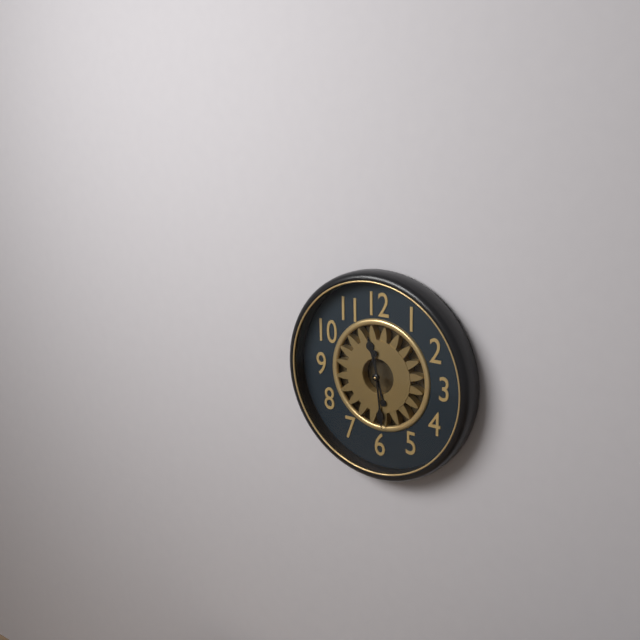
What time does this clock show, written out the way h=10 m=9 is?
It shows h=11 m=29
